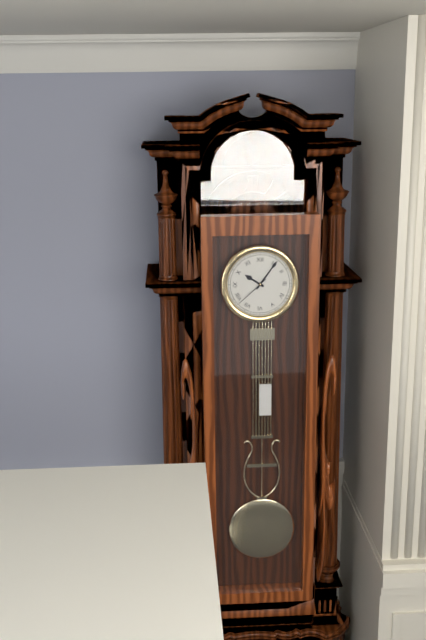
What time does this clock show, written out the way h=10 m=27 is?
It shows h=10 m=6
